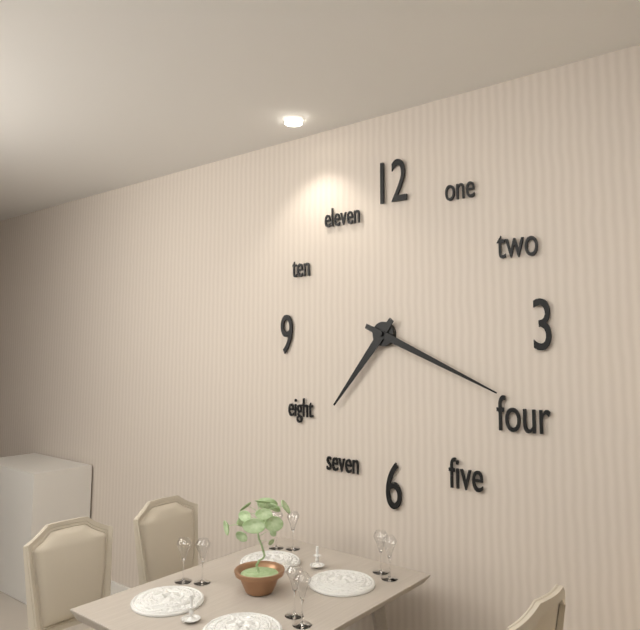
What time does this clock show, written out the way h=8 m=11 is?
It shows h=7 m=19
